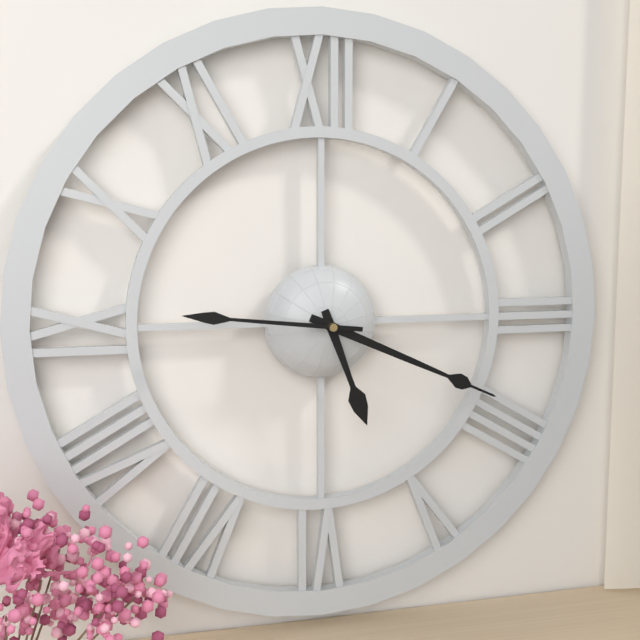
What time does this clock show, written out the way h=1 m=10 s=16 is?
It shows h=5 m=19 s=46
